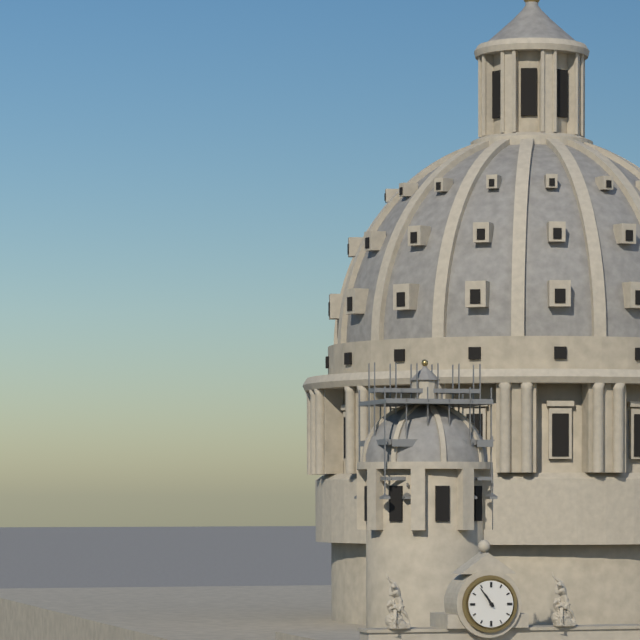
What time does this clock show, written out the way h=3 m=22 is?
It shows h=10 m=54
